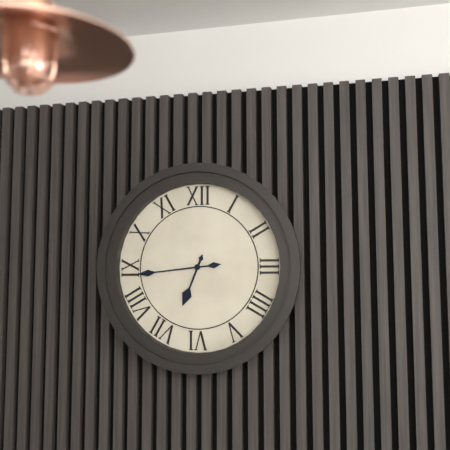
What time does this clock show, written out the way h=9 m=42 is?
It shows h=6 m=44
